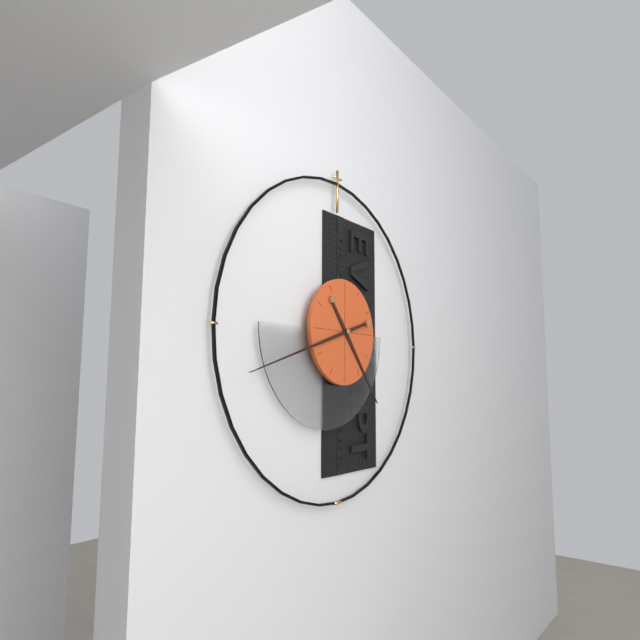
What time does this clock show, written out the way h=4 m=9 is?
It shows h=4 m=42
